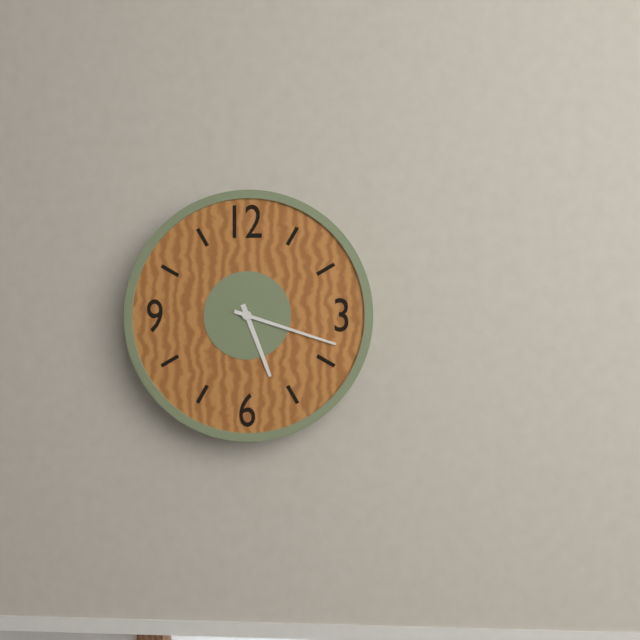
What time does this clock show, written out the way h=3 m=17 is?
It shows h=5 m=18
